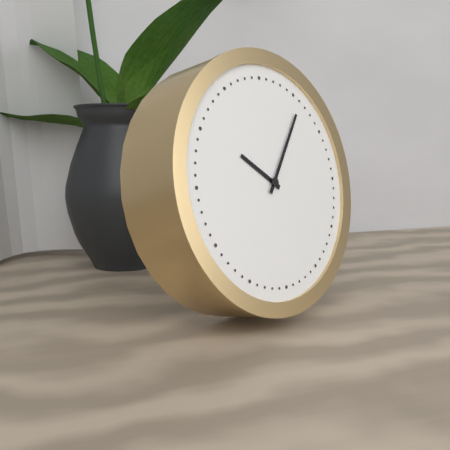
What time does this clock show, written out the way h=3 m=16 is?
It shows h=10 m=6
